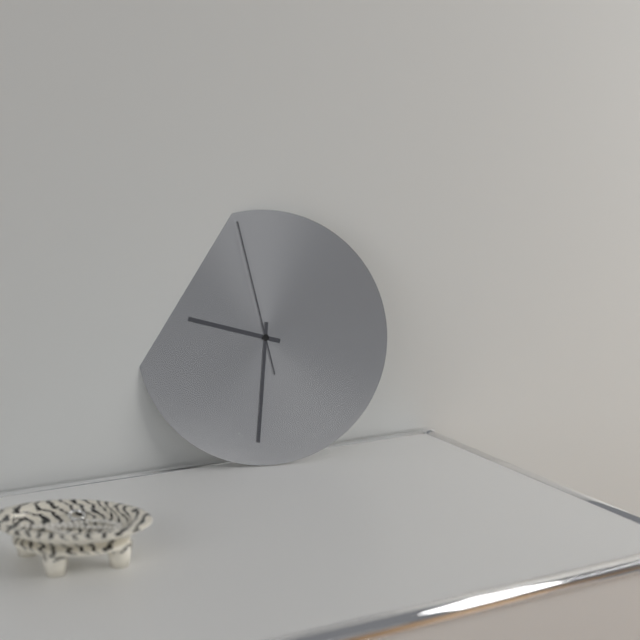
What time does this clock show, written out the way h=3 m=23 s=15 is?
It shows h=9 m=31 s=58
